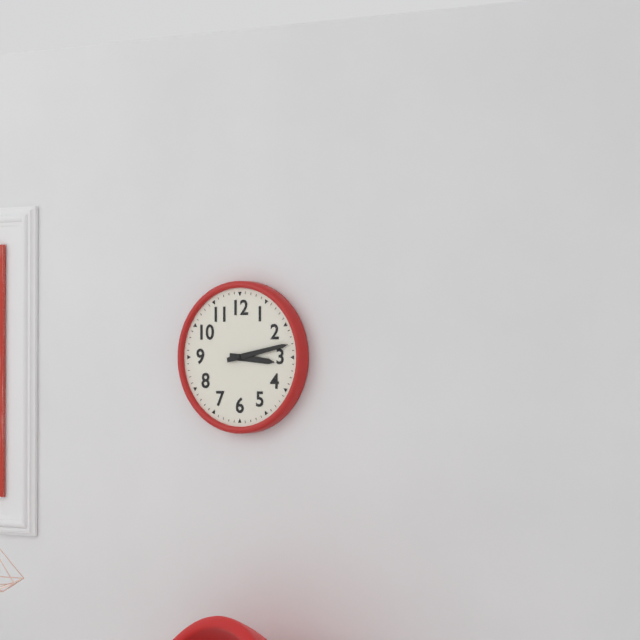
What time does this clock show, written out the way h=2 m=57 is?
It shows h=3 m=13
